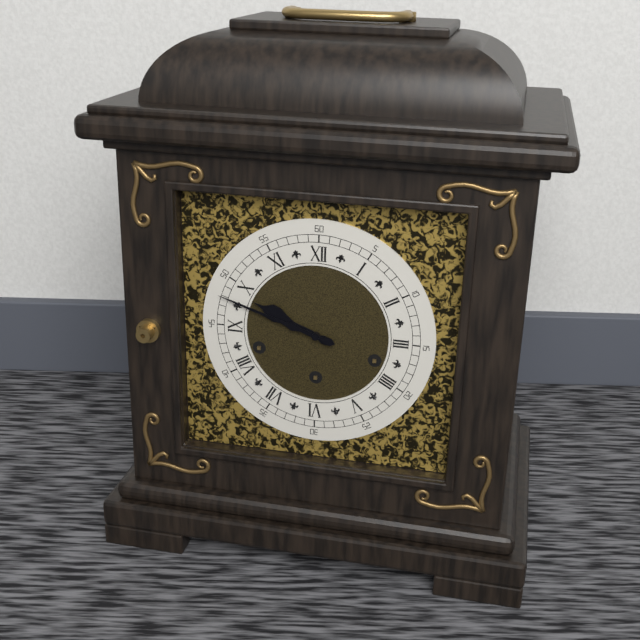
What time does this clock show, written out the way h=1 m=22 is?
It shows h=9 m=48
